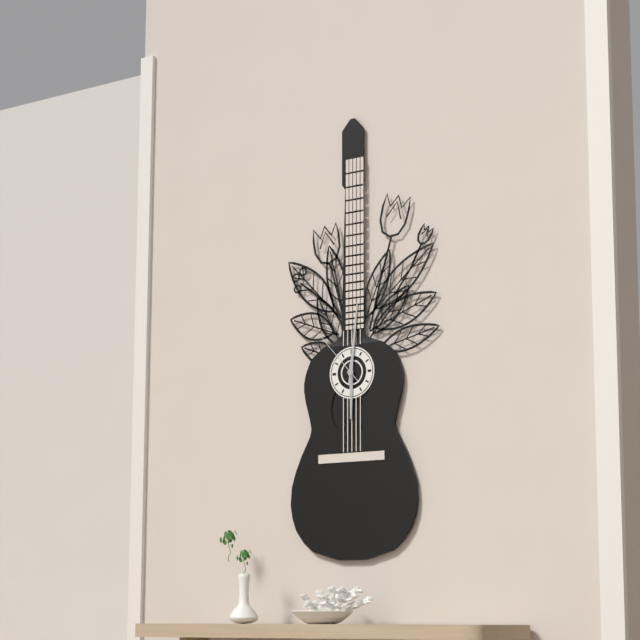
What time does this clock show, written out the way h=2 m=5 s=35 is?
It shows h=6 m=1 s=53
